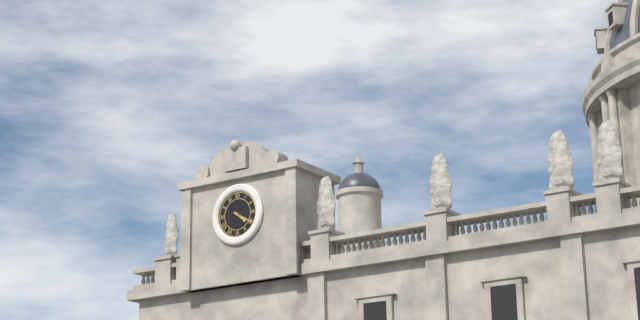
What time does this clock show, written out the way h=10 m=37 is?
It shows h=4 m=20
